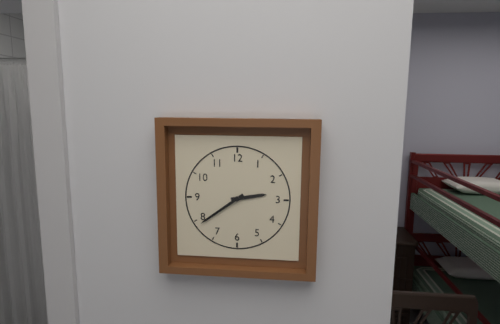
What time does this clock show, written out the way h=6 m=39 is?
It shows h=2 m=39
